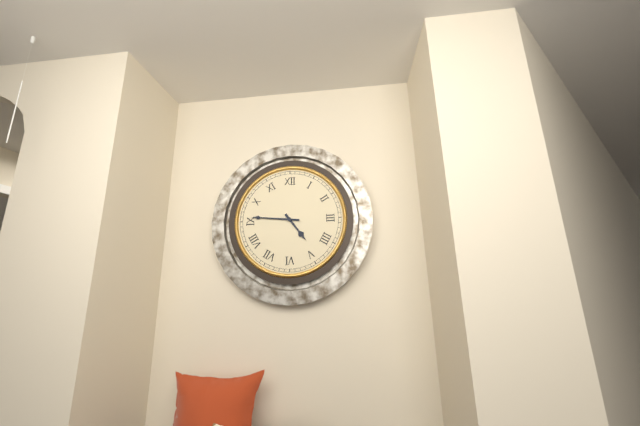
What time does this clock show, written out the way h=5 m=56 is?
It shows h=4 m=46
